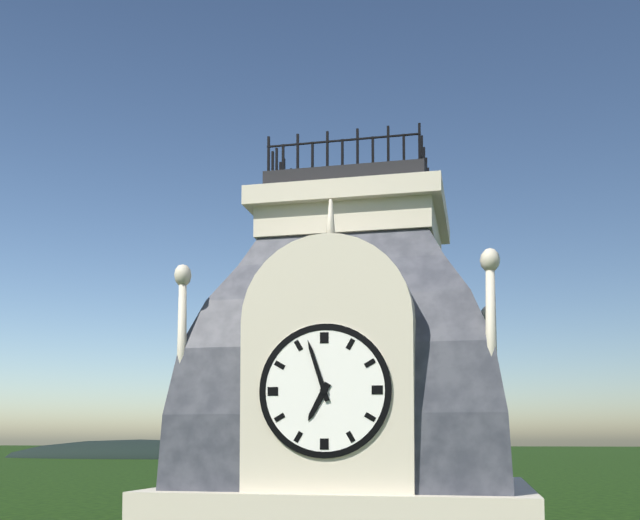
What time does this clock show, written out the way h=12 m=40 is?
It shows h=6 m=57
